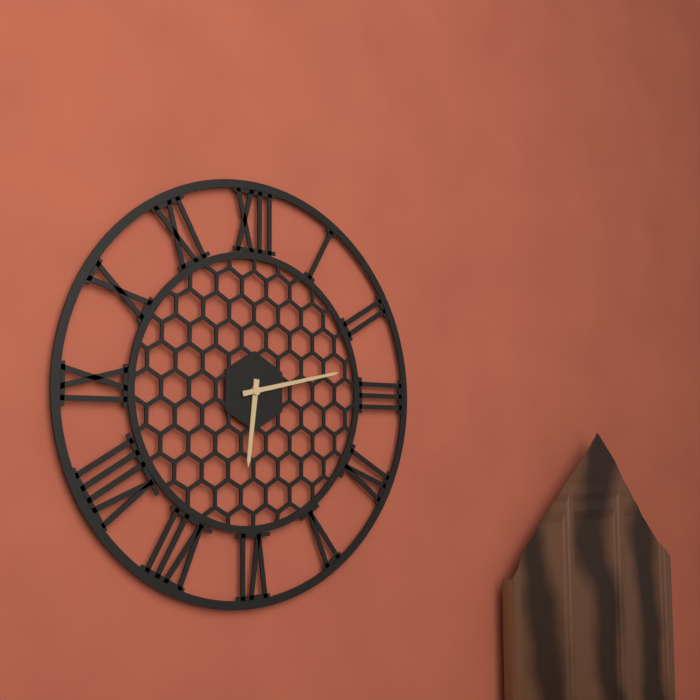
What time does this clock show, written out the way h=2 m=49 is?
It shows h=6 m=13
